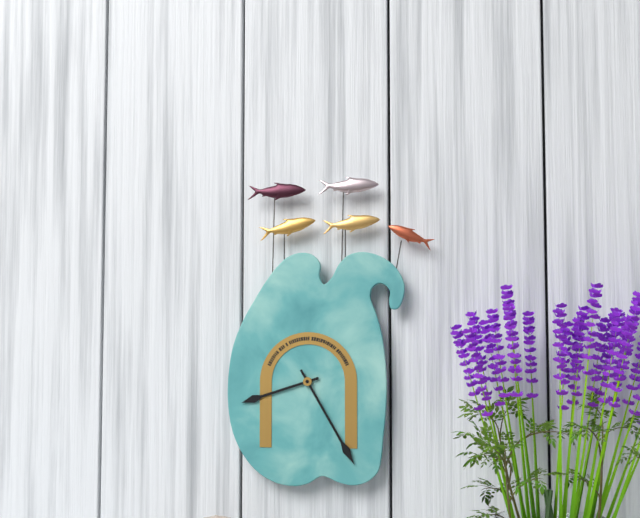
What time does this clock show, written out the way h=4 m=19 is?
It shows h=8 m=25
